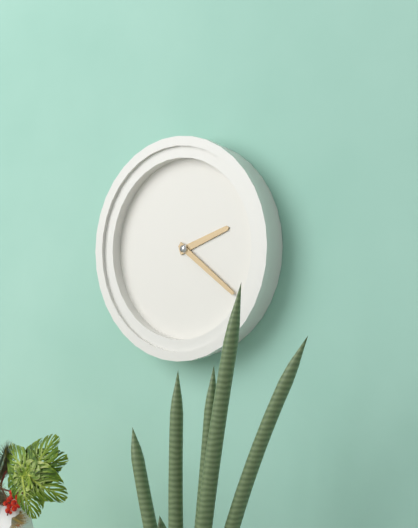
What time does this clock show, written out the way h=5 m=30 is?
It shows h=2 m=21
